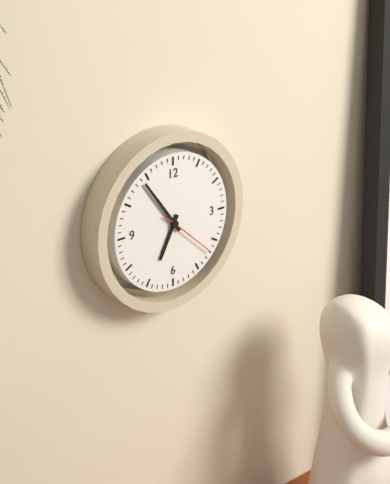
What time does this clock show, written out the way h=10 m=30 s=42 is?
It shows h=6 m=54 s=22
